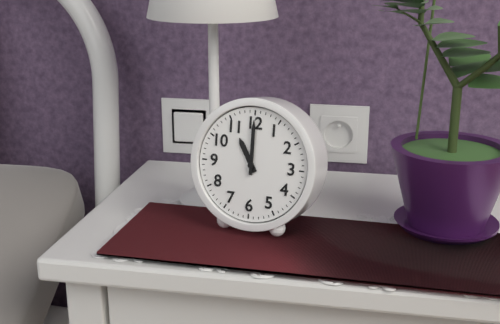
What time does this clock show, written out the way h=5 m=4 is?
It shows h=11 m=0
